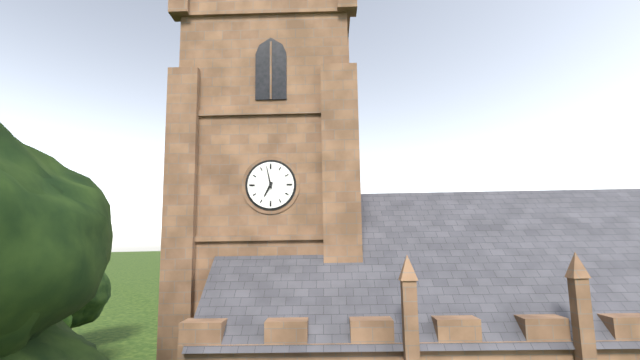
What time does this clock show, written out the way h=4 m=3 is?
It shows h=6 m=58
